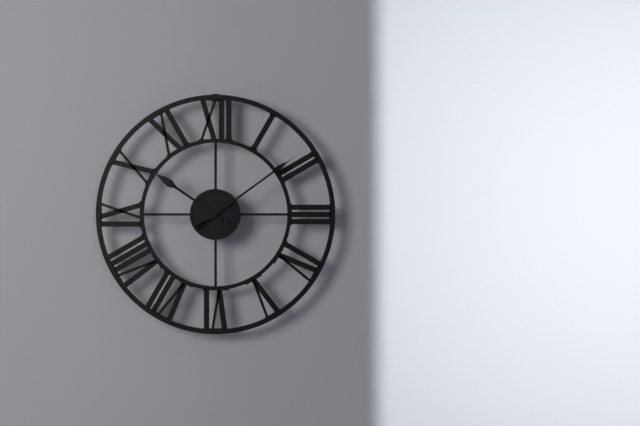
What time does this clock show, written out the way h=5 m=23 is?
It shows h=10 m=9
